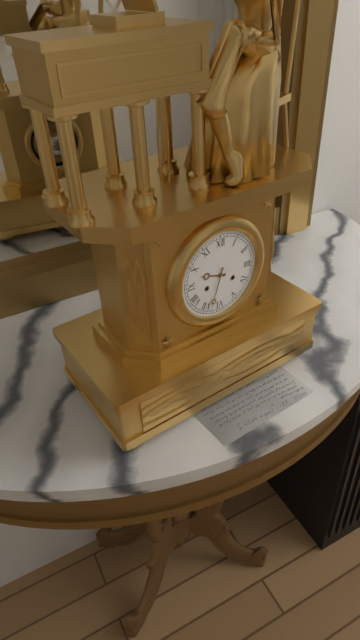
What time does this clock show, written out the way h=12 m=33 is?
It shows h=9 m=33
